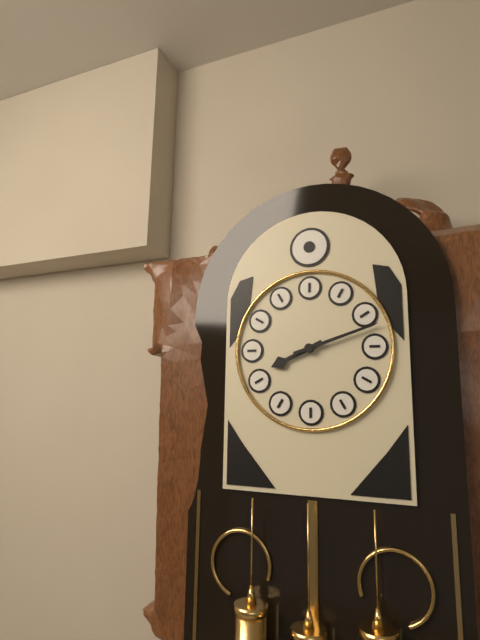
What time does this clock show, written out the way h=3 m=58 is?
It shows h=8 m=12
